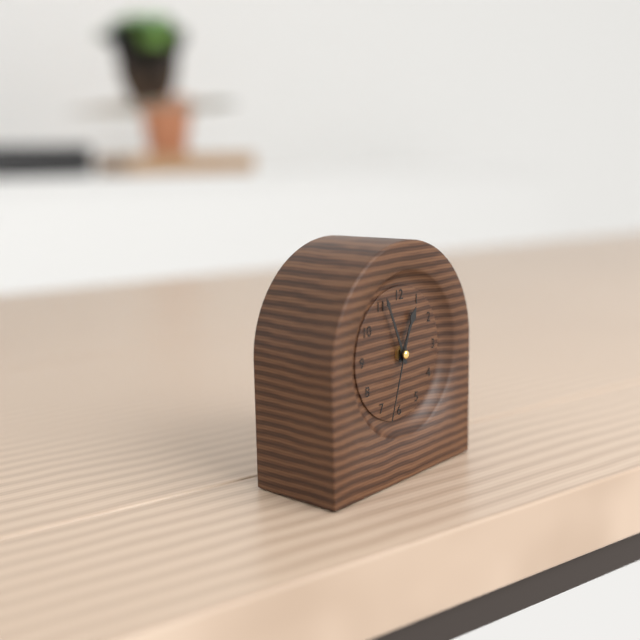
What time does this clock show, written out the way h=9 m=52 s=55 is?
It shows h=12 m=56 s=33
